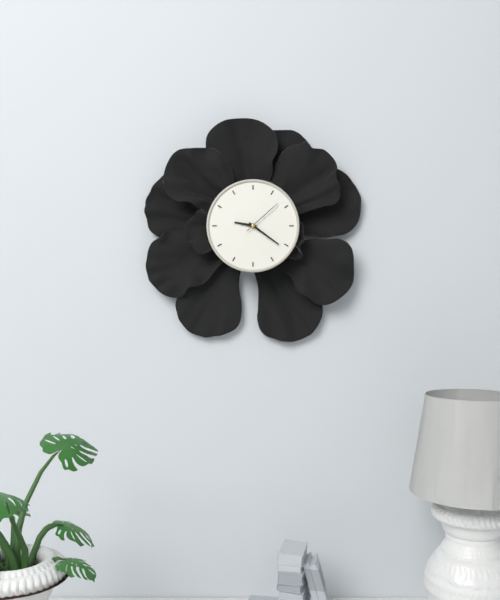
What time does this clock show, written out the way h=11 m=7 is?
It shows h=9 m=21
